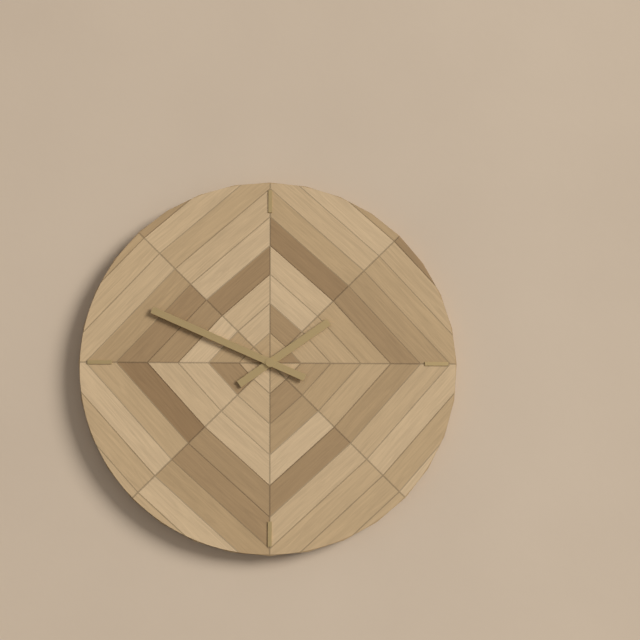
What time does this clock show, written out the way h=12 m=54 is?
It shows h=1 m=49
